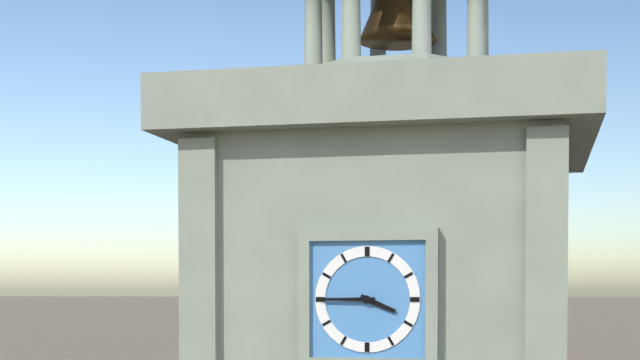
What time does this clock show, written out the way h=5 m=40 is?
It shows h=3 m=45
